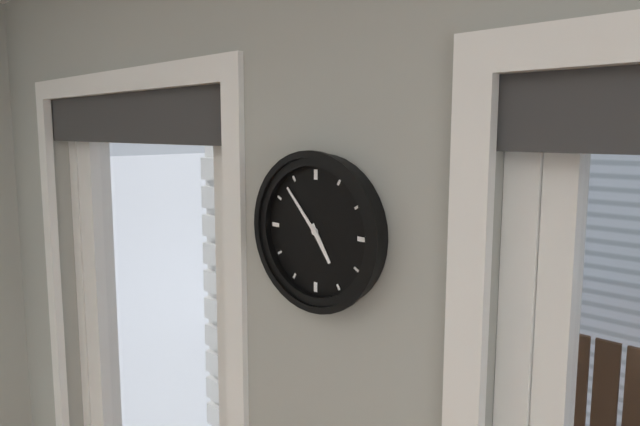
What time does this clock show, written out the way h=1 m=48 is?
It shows h=4 m=53
